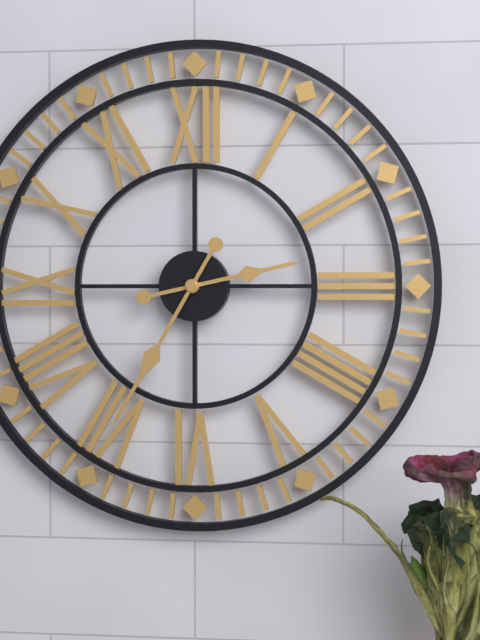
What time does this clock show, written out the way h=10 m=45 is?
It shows h=2 m=35
